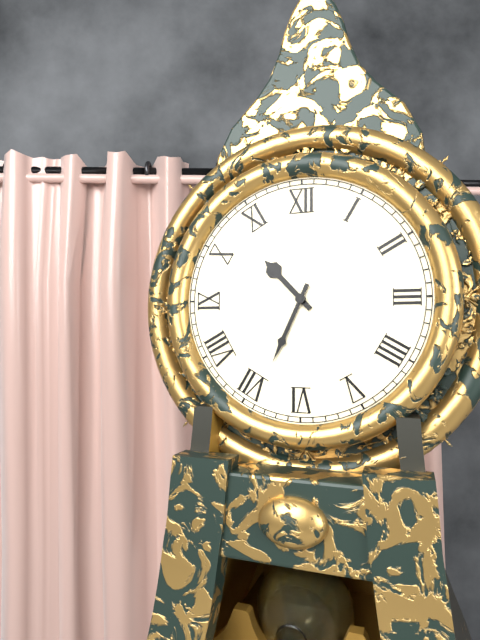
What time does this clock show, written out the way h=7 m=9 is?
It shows h=10 m=34
